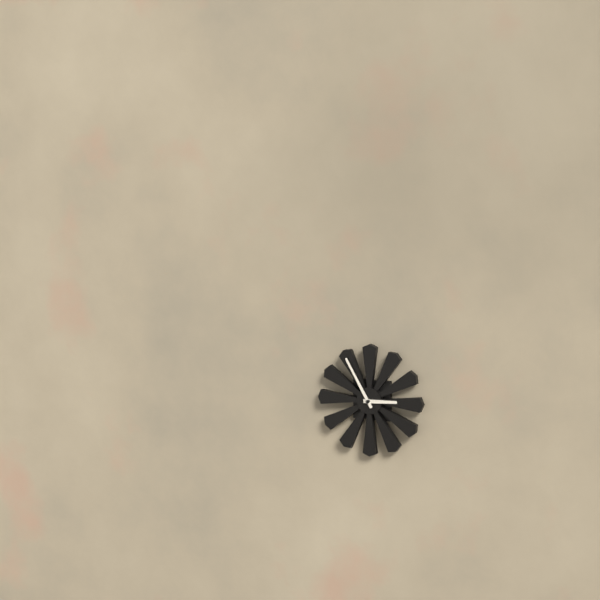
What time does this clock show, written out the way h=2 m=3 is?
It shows h=2 m=55
